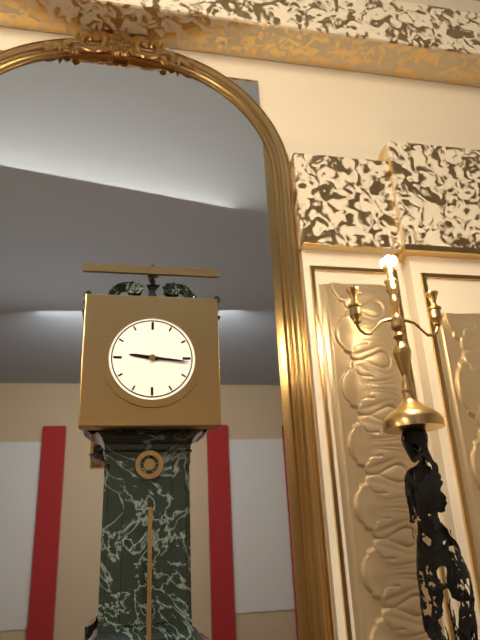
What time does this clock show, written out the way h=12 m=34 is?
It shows h=9 m=16
